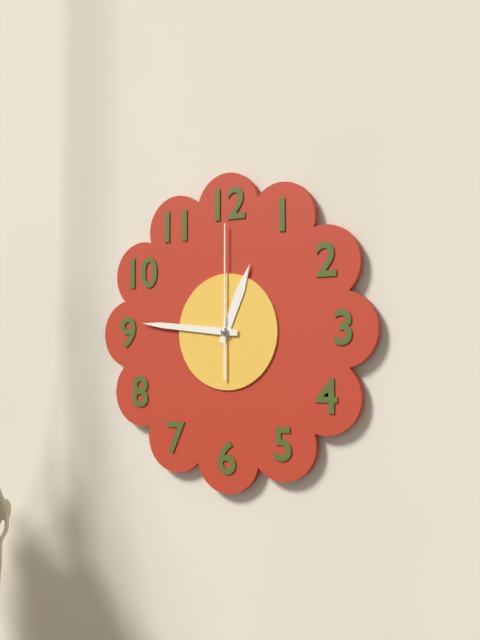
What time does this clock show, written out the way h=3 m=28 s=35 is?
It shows h=12 m=46 s=0
